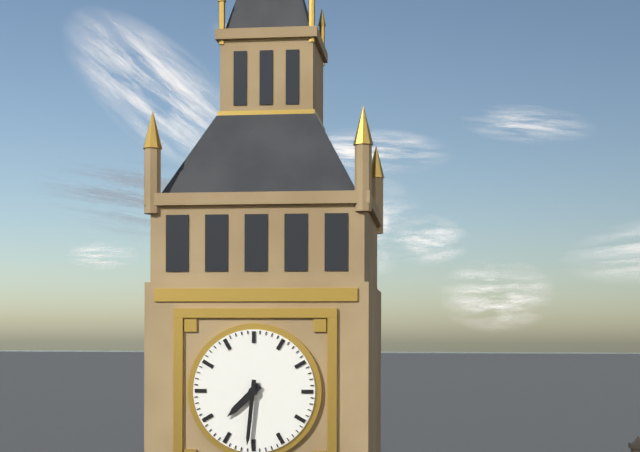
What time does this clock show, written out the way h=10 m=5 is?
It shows h=7 m=31
